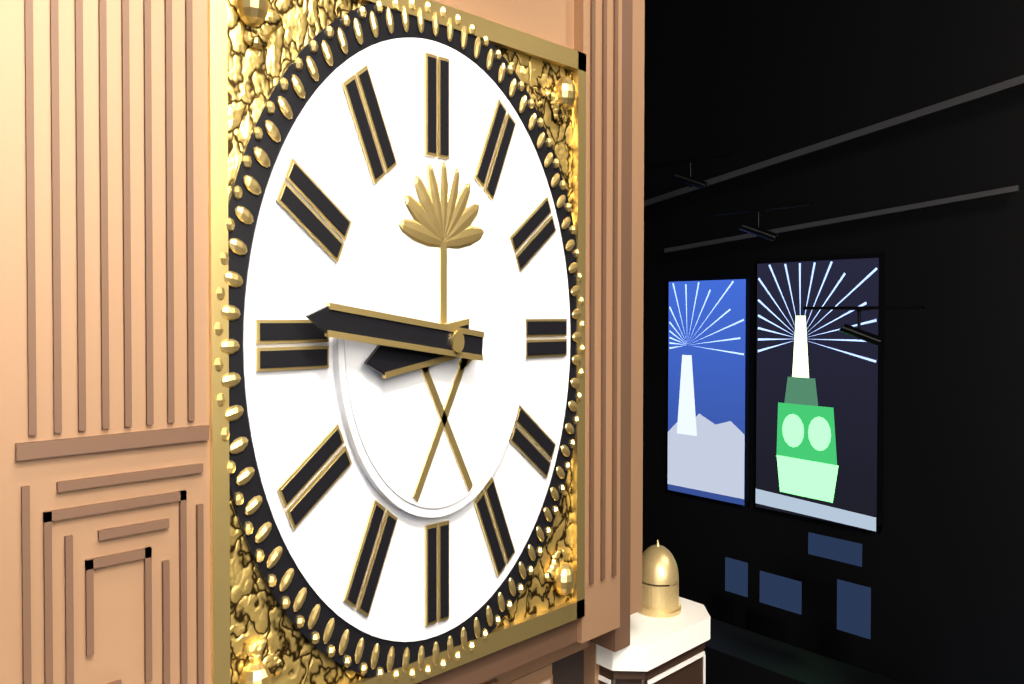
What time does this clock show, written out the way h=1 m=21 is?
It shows h=8 m=46
